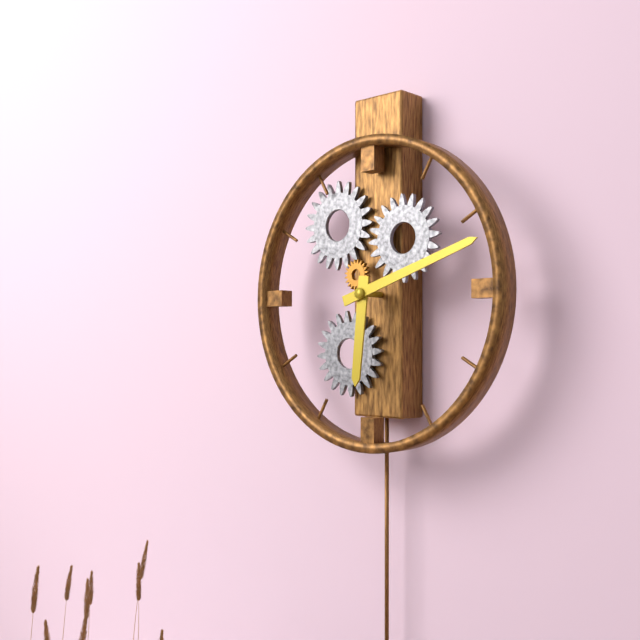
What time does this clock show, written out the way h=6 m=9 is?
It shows h=6 m=12
